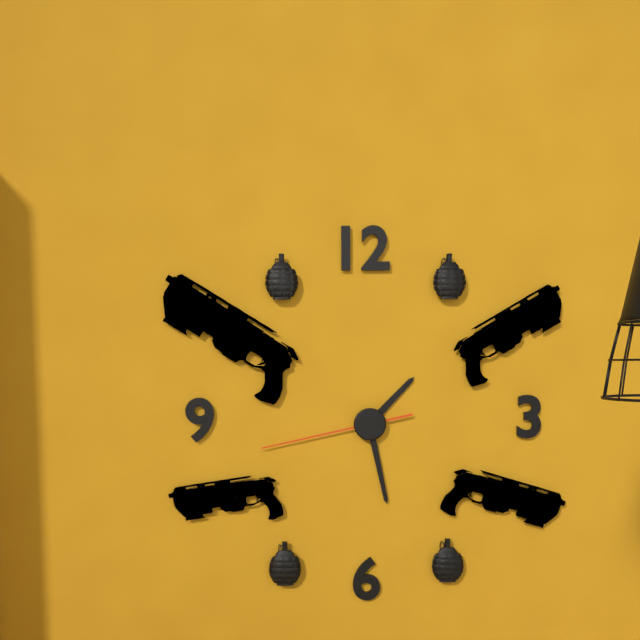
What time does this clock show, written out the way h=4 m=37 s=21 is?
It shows h=1 m=28 s=43
